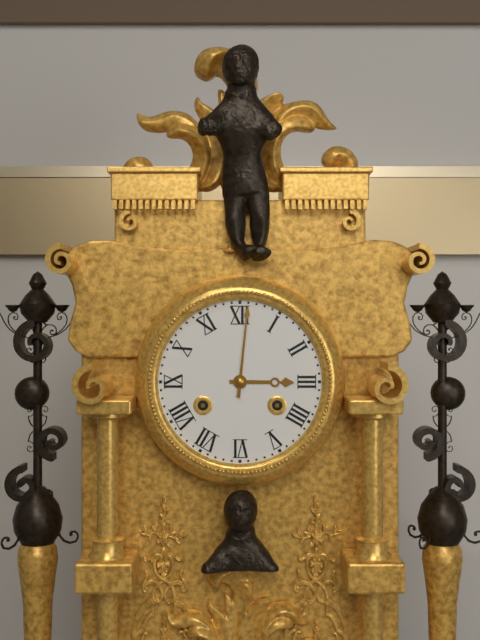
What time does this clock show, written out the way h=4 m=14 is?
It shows h=3 m=1
